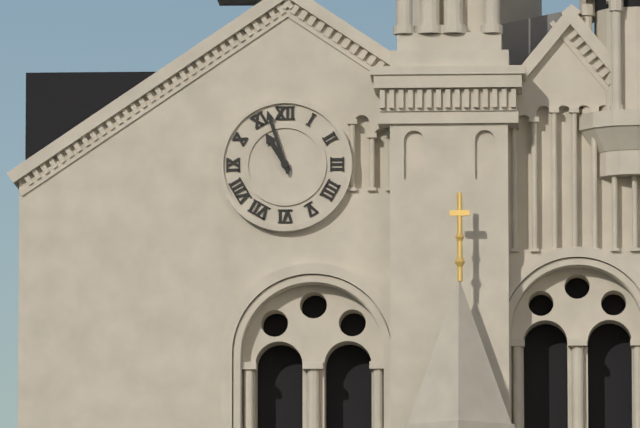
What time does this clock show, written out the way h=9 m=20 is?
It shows h=10 m=57
